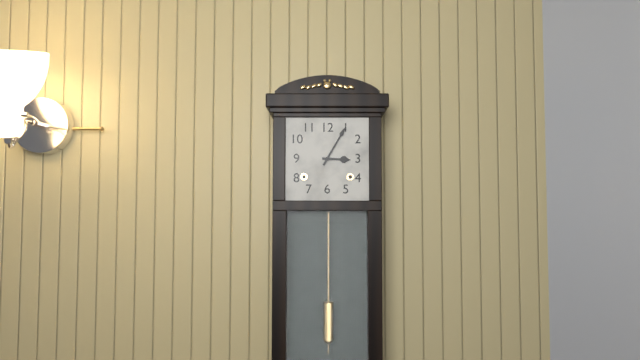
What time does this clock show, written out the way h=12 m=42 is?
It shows h=3 m=5
